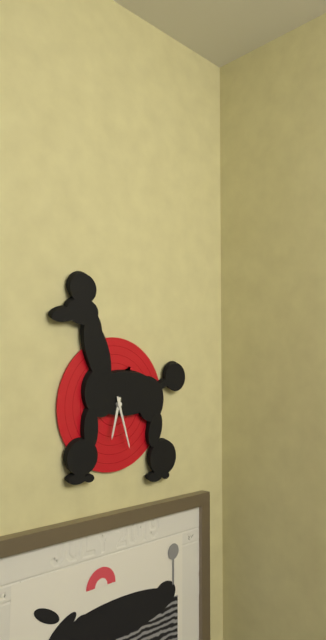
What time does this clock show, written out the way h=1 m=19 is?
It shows h=6 m=27
